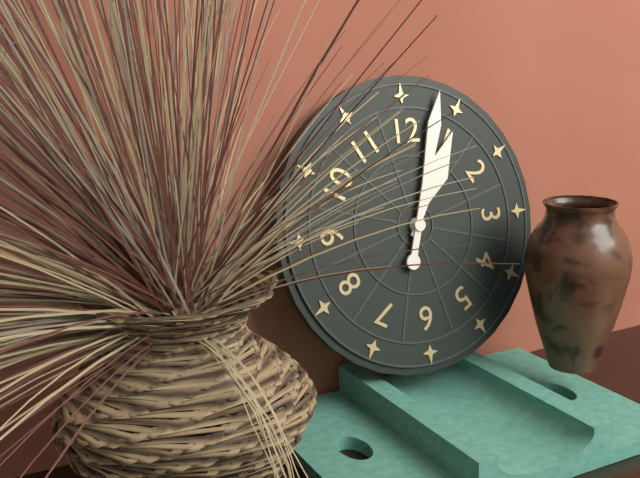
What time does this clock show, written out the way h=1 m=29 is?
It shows h=1 m=3
